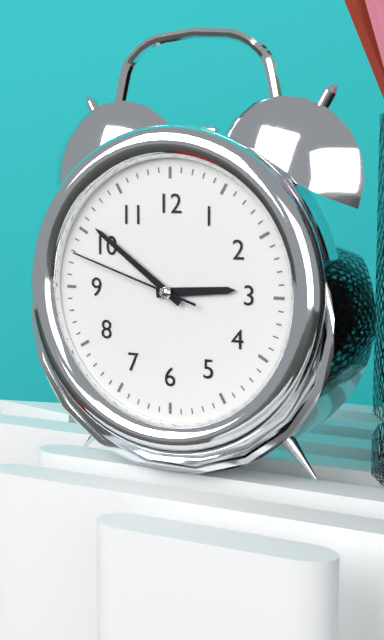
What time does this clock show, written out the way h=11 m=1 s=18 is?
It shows h=2 m=51 s=48
